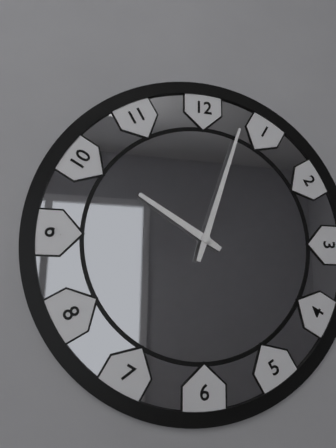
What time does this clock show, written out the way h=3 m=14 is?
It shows h=10 m=3
